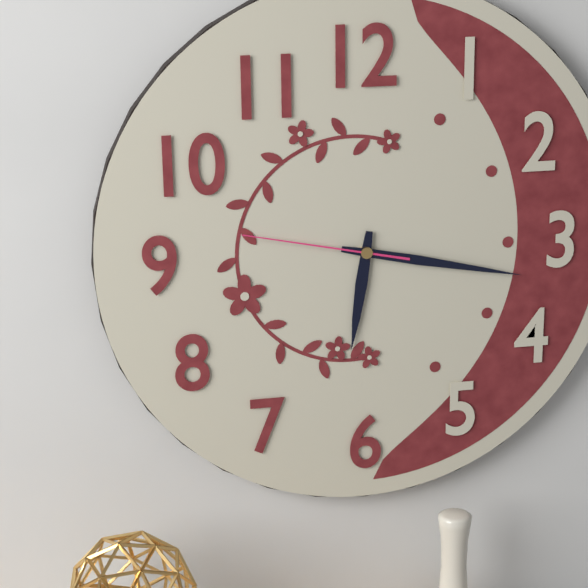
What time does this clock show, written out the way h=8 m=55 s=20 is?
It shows h=6 m=17 s=47
